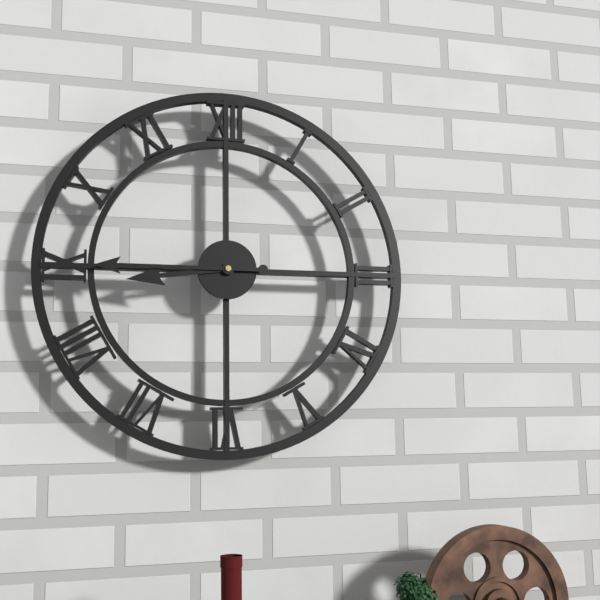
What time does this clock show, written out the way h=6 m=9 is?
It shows h=8 m=45
